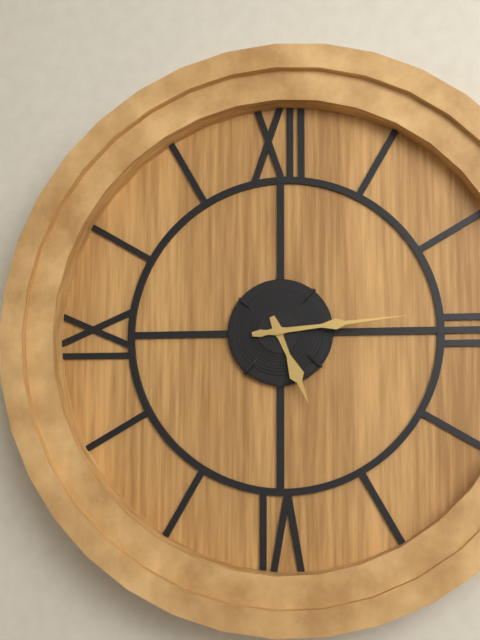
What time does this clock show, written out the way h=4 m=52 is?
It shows h=5 m=14
